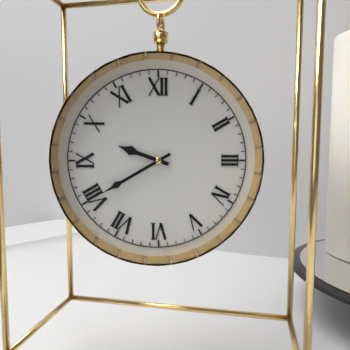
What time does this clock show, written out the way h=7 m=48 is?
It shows h=9 m=40
